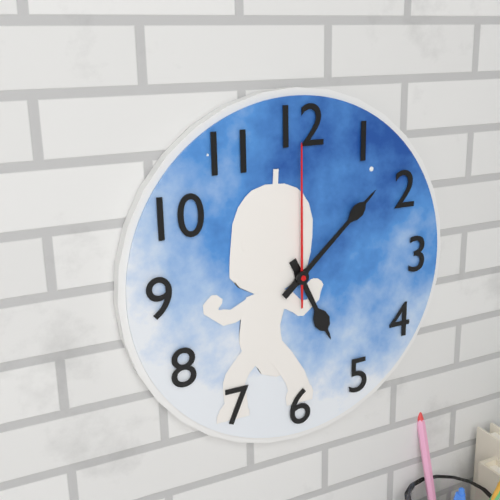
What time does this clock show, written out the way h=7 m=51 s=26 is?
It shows h=5 m=8 s=0
